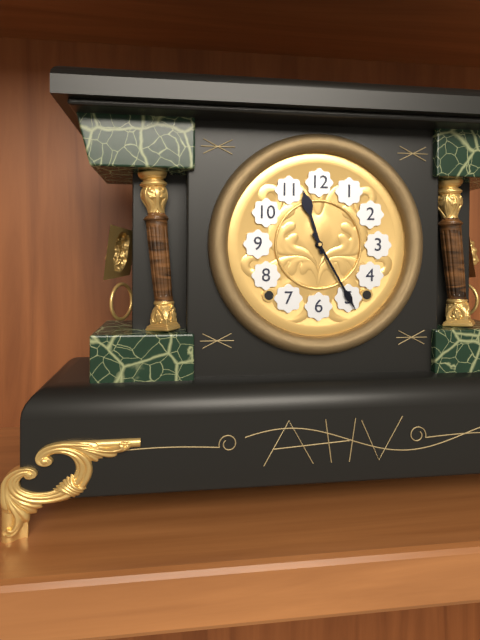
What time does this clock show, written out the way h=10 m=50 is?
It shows h=11 m=25
